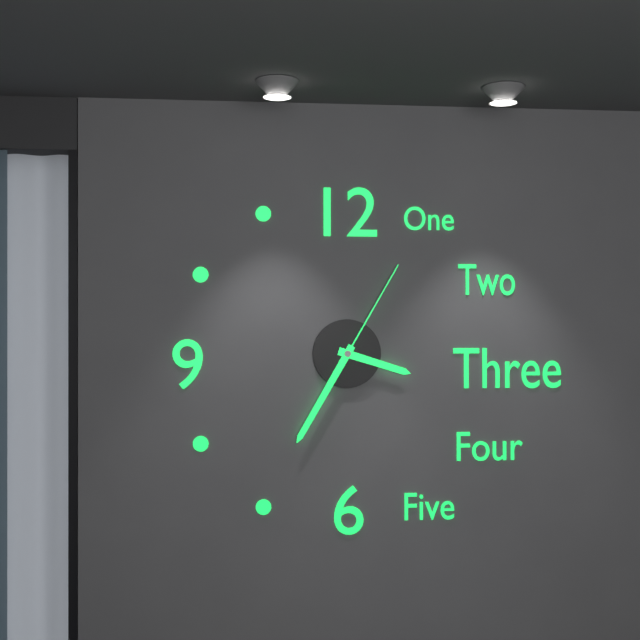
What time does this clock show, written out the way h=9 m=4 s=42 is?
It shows h=3 m=35 s=5
